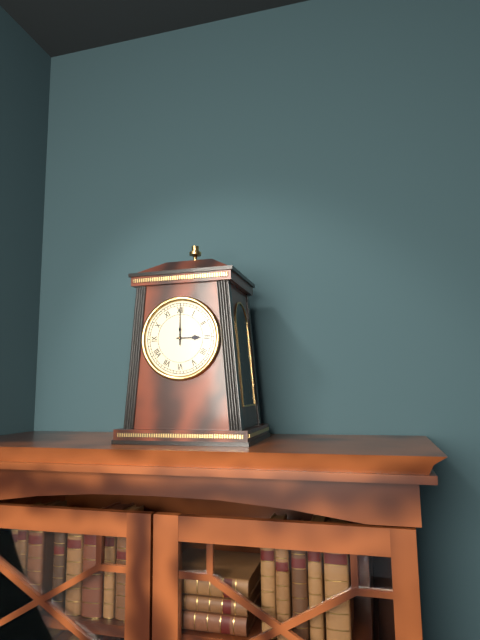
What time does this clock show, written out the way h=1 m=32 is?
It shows h=3 m=0
